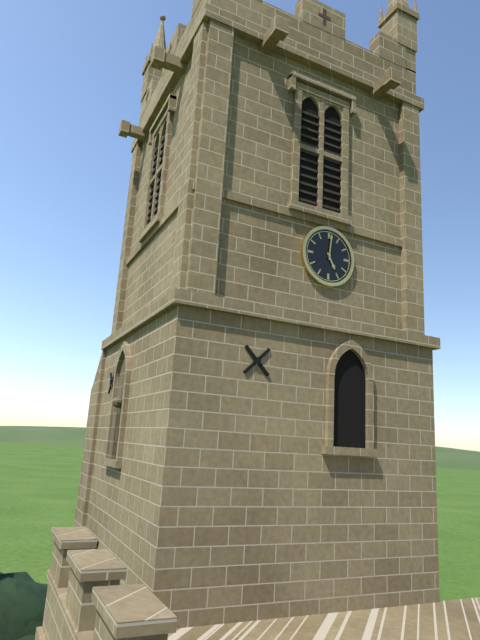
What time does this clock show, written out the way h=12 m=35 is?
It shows h=5 m=1
